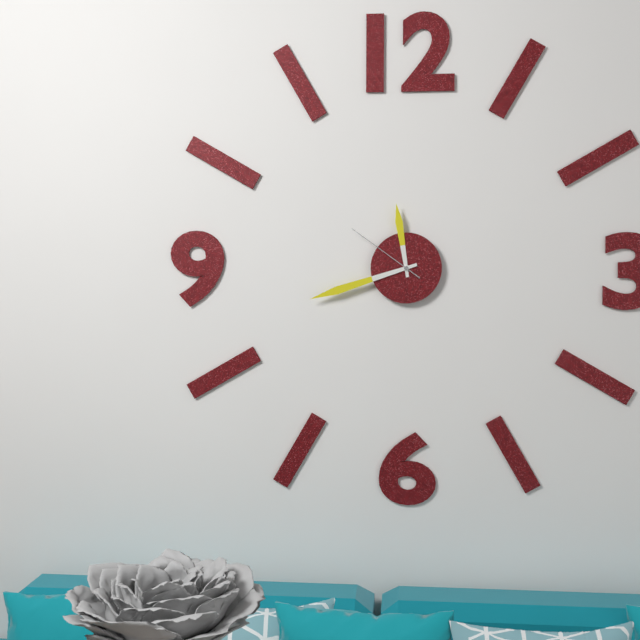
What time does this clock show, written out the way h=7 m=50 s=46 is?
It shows h=11 m=42 s=51
